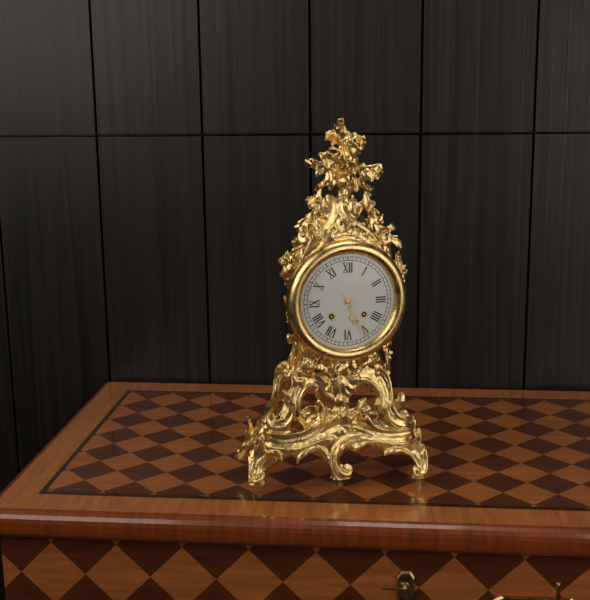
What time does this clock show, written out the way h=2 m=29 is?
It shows h=5 m=26
